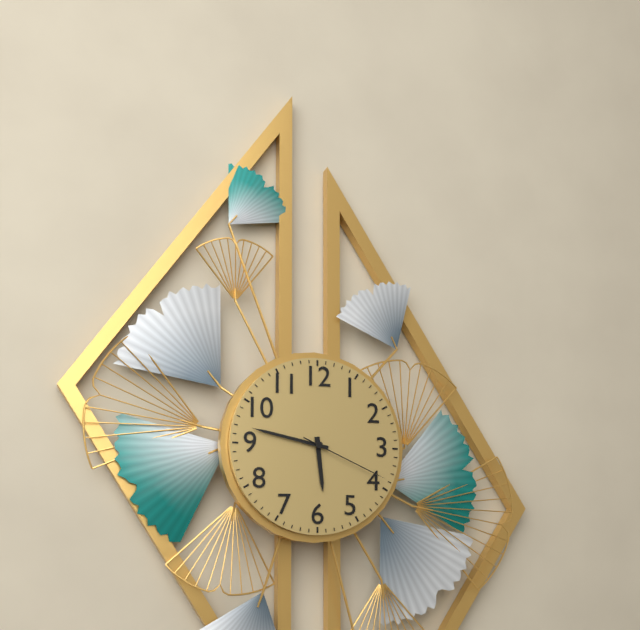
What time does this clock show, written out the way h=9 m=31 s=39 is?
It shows h=5 m=47 s=19
